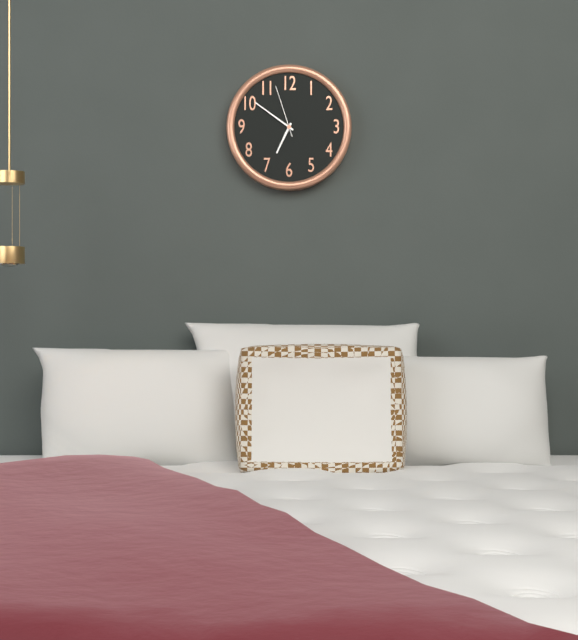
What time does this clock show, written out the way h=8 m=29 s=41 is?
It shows h=6 m=51 s=57
